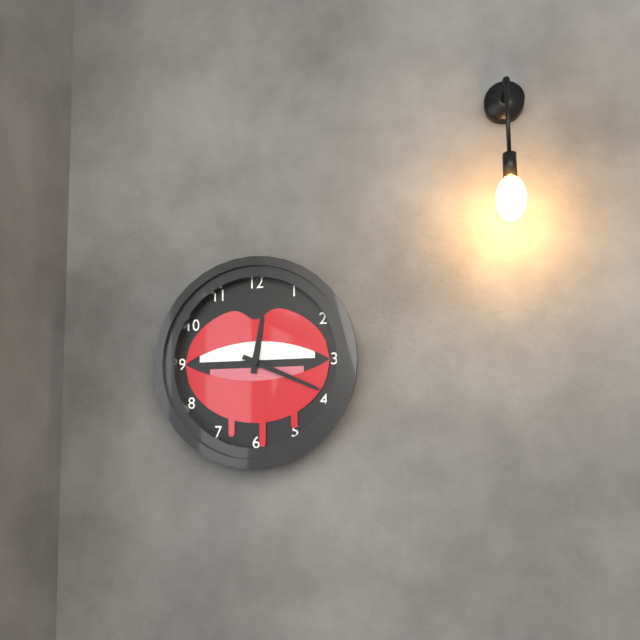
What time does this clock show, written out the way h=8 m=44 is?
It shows h=12 m=19
